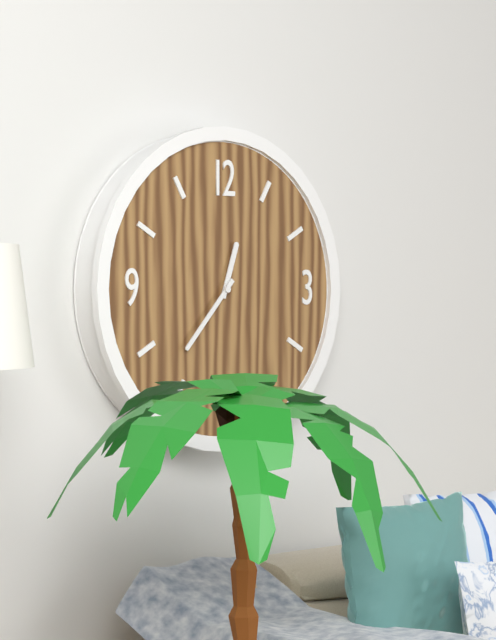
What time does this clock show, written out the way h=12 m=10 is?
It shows h=12 m=37
